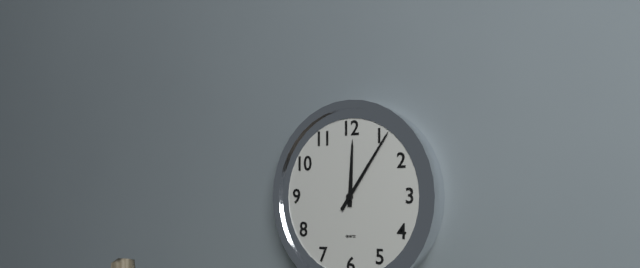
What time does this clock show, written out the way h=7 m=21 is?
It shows h=12 m=6
